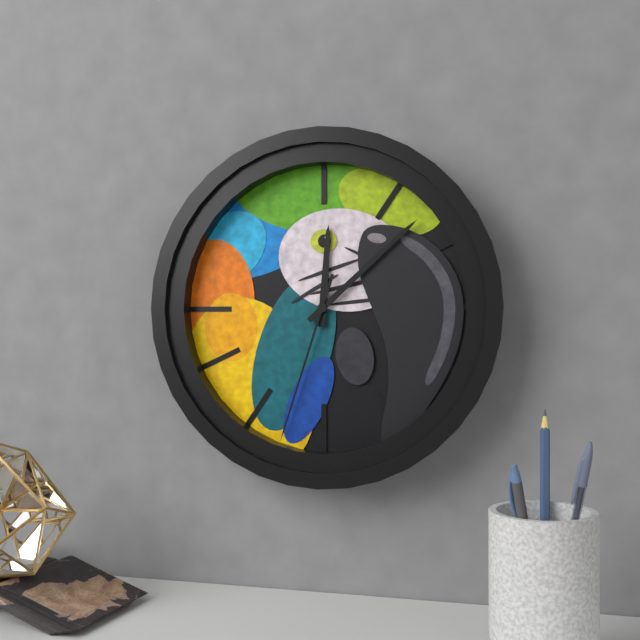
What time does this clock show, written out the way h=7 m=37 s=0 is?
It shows h=12 m=8 s=33
